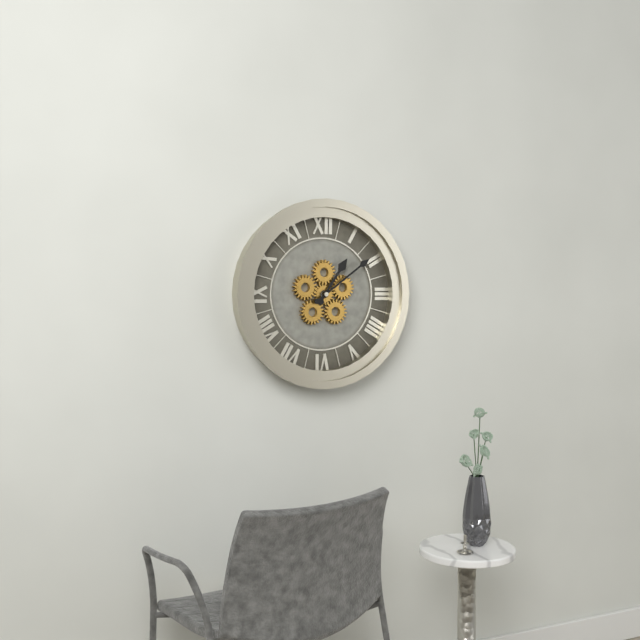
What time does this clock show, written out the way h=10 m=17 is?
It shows h=1 m=9
